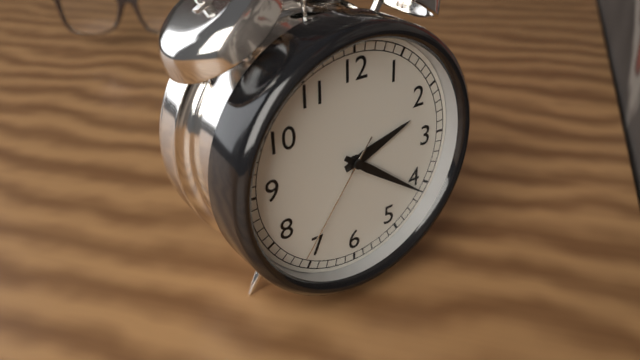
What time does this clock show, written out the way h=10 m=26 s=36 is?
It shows h=2 m=21 s=36
